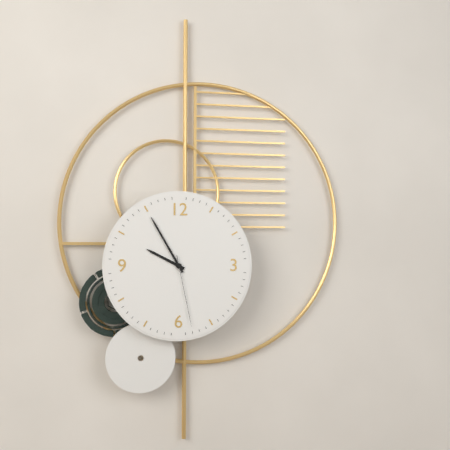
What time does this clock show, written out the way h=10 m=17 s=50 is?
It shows h=9 m=55 s=28
